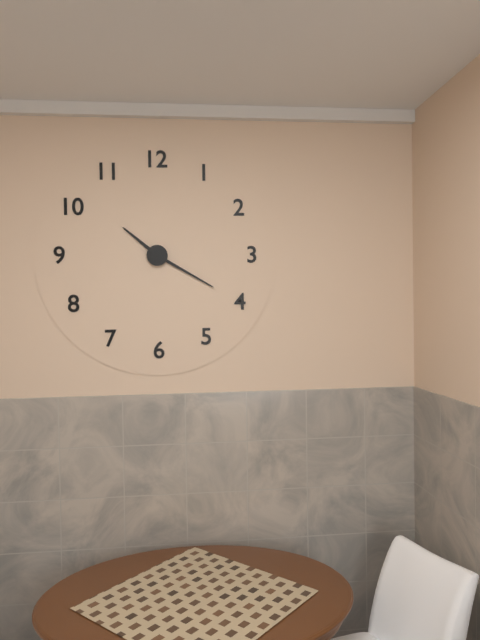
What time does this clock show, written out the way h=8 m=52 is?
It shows h=10 m=20
